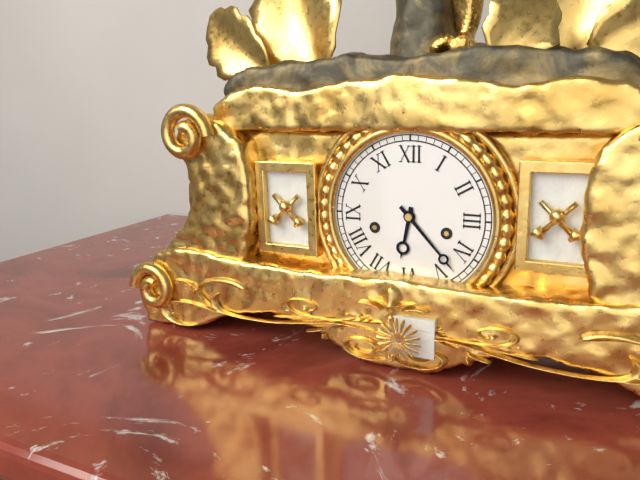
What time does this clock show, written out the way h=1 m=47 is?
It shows h=6 m=23
